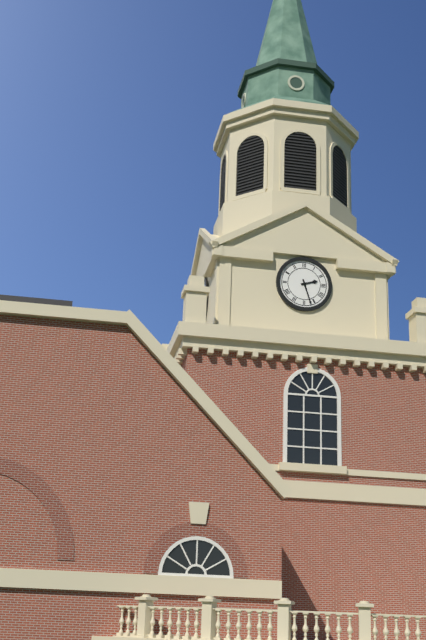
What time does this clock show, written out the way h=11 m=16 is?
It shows h=2 m=27
